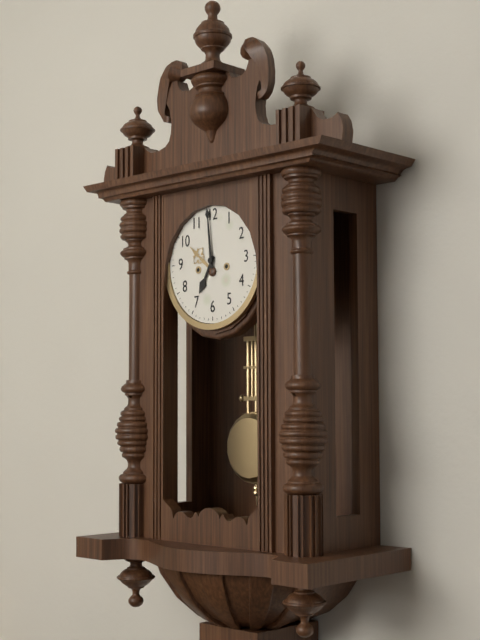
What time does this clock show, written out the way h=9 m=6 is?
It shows h=6 m=59
